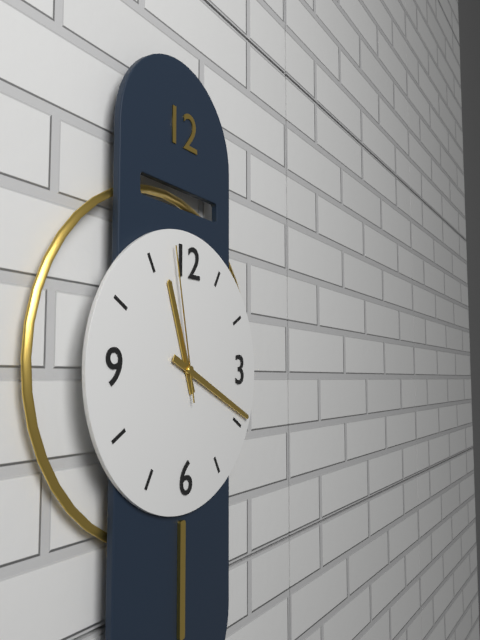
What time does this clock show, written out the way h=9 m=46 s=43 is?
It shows h=11 m=19 s=58
